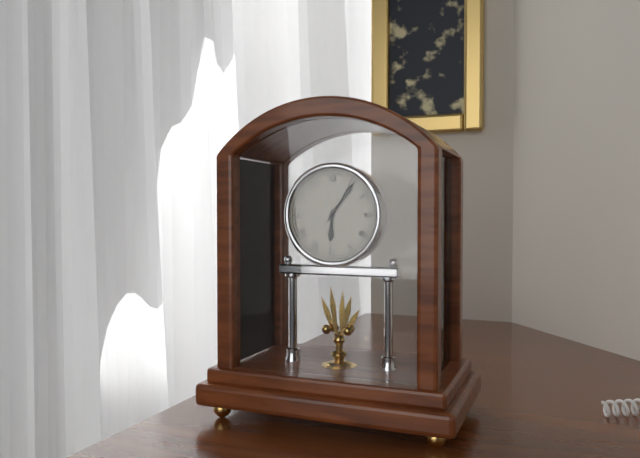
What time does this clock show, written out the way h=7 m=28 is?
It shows h=6 m=6
